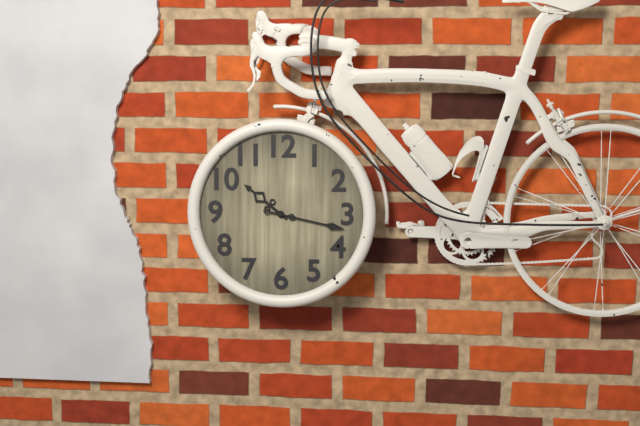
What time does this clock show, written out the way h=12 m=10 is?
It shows h=10 m=17
